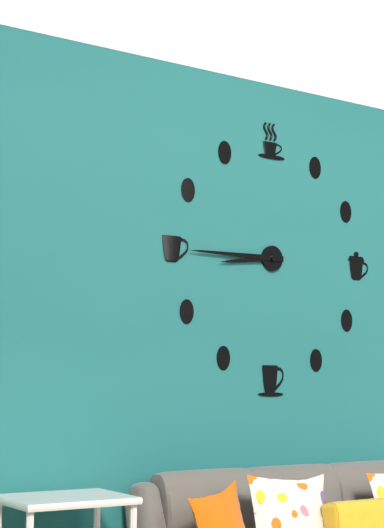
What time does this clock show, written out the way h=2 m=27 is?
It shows h=8 m=45
